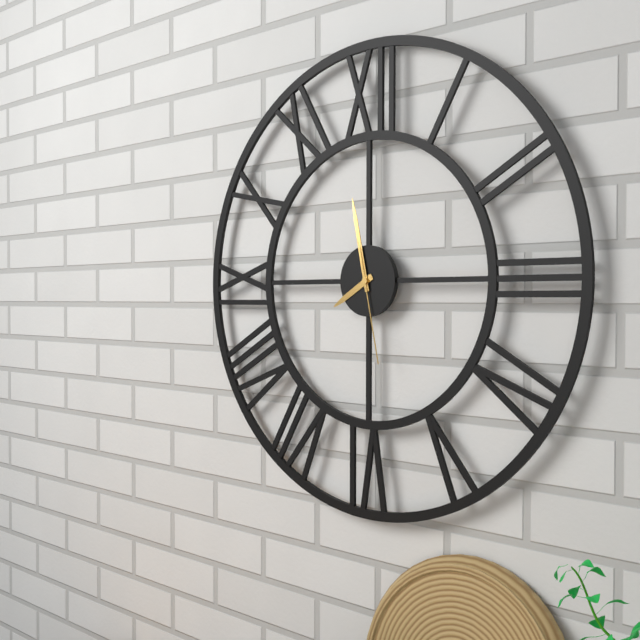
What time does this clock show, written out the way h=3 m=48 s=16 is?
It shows h=7 m=58 s=28
